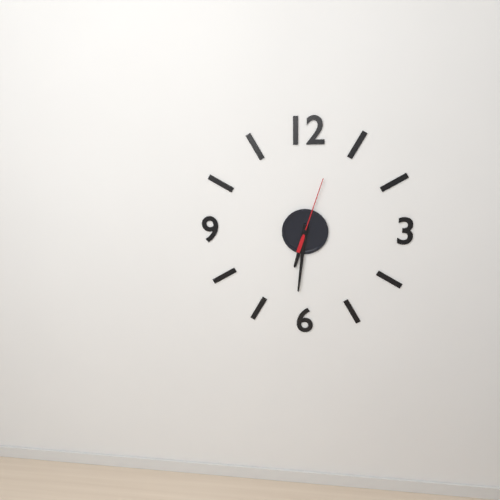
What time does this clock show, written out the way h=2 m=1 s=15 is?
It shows h=6 m=31 s=3
